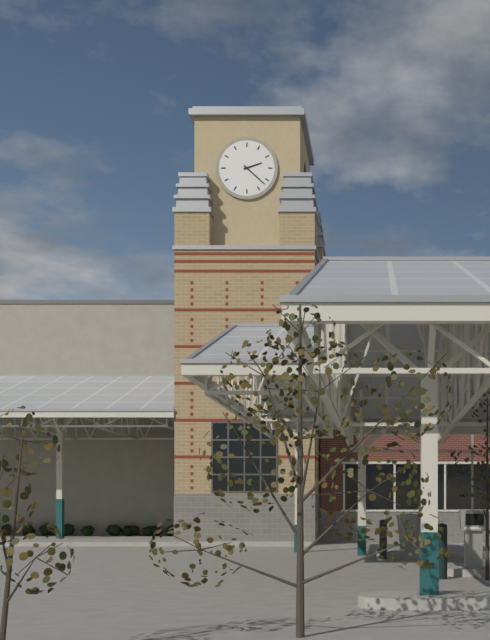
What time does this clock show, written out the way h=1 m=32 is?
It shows h=2 m=22
